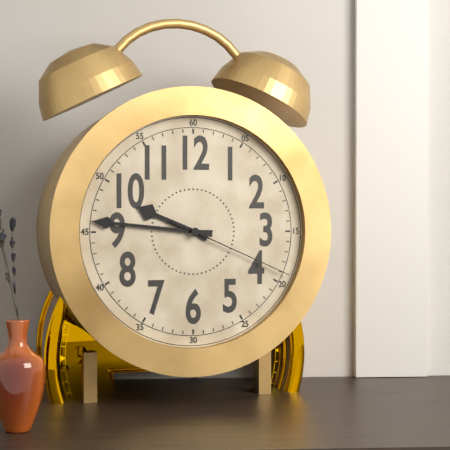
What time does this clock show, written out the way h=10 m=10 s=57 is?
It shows h=9 m=46 s=19
